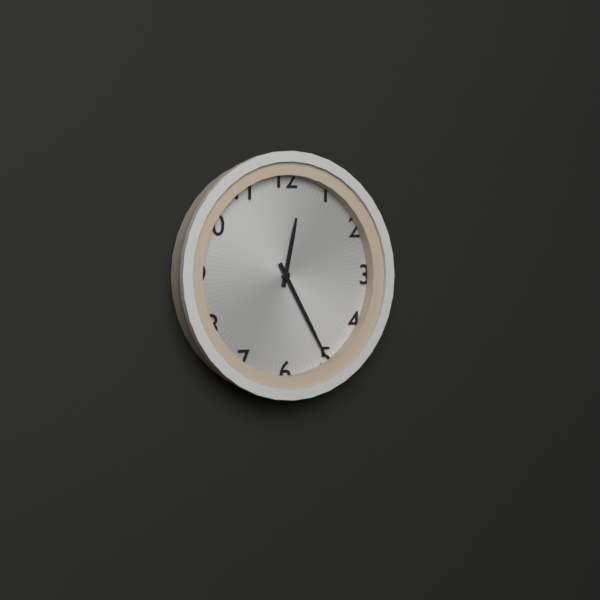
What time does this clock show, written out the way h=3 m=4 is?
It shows h=12 m=25
